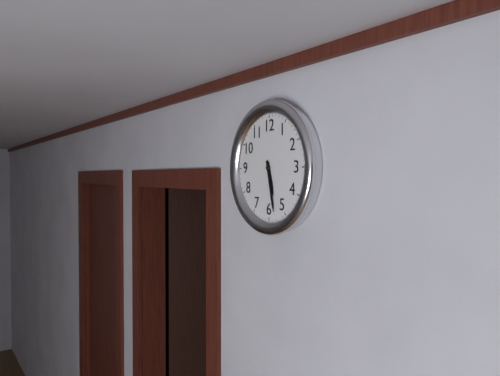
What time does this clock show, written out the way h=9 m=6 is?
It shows h=5 m=28
